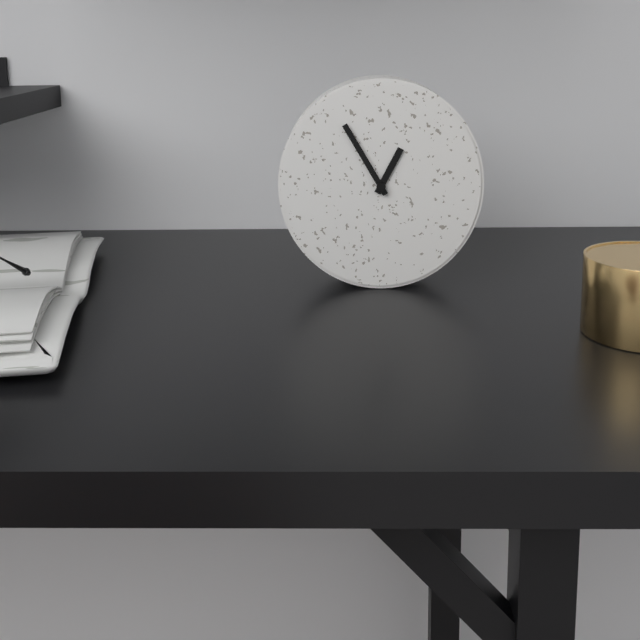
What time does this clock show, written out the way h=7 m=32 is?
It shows h=12 m=55
